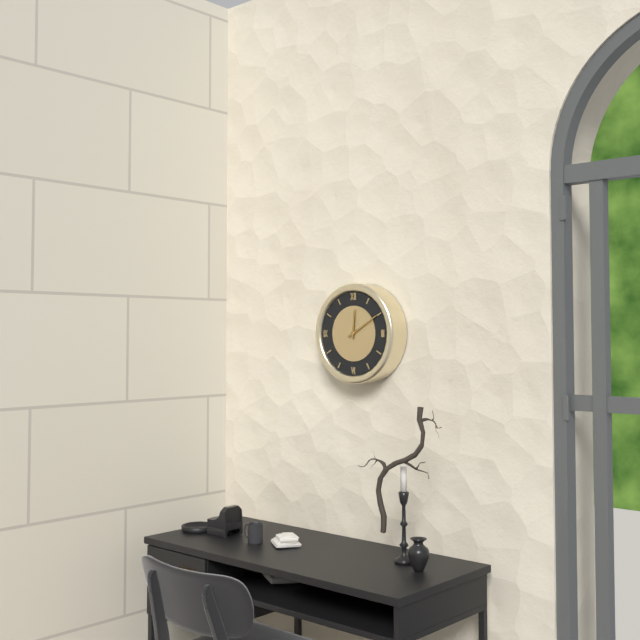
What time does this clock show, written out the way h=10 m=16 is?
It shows h=12 m=10
